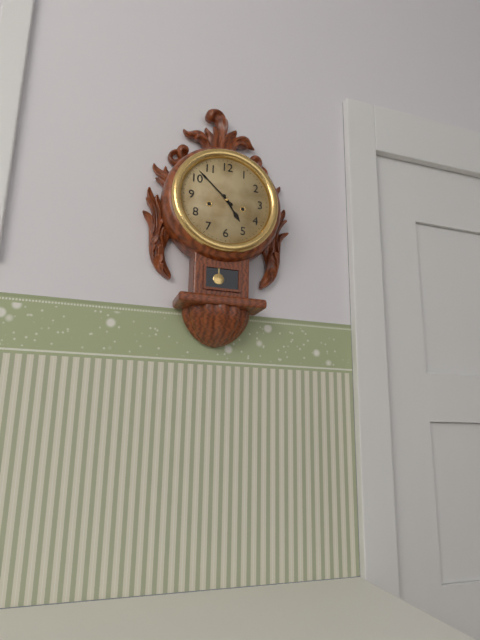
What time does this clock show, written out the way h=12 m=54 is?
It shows h=4 m=52
